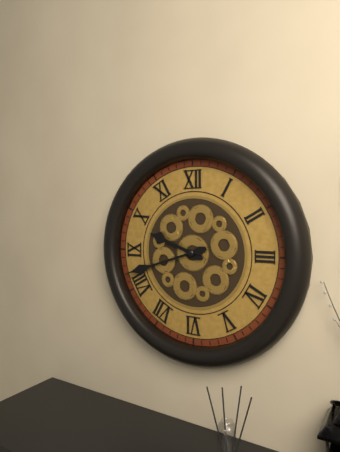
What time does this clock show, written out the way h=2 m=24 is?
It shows h=9 m=42
